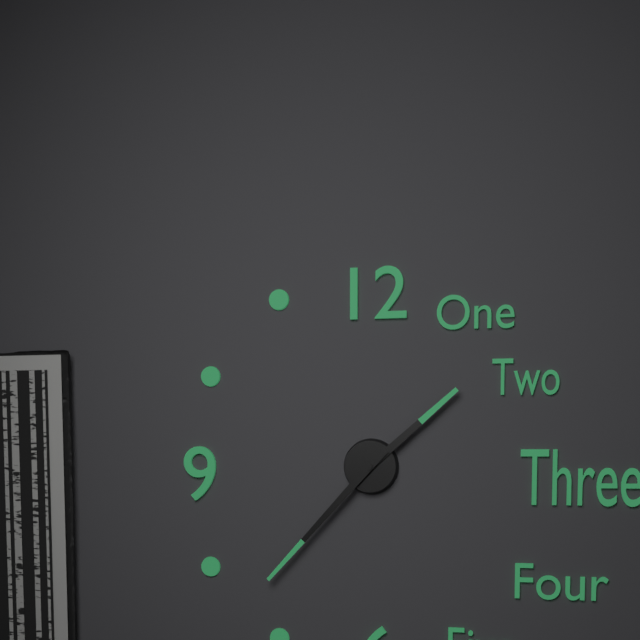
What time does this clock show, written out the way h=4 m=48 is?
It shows h=1 m=37
